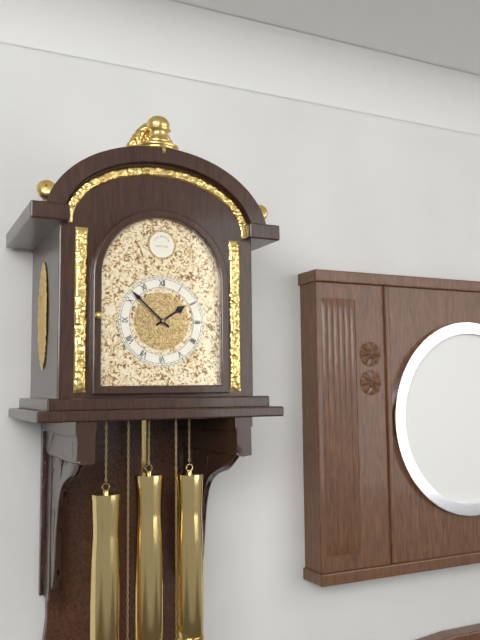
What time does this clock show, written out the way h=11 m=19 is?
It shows h=1 m=52
